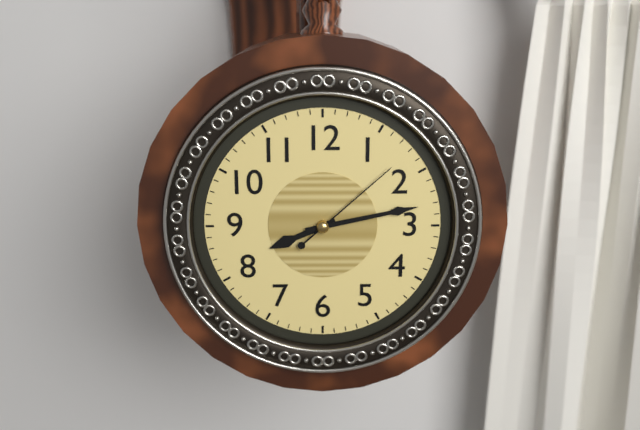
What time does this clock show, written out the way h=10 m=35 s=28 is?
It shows h=8 m=13 s=8
